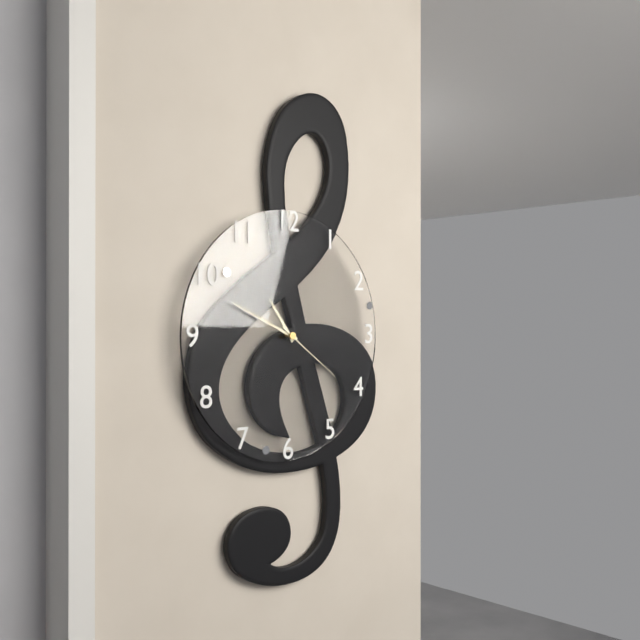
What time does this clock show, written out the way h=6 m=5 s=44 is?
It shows h=10 m=49 s=21
